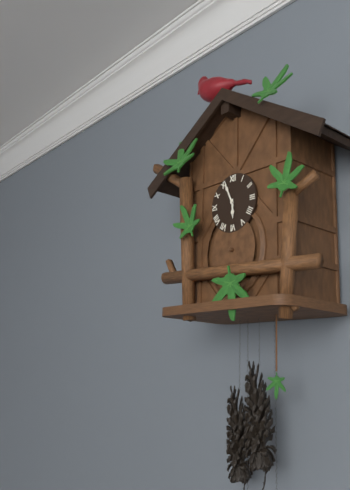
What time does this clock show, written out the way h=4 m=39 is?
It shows h=5 m=56
